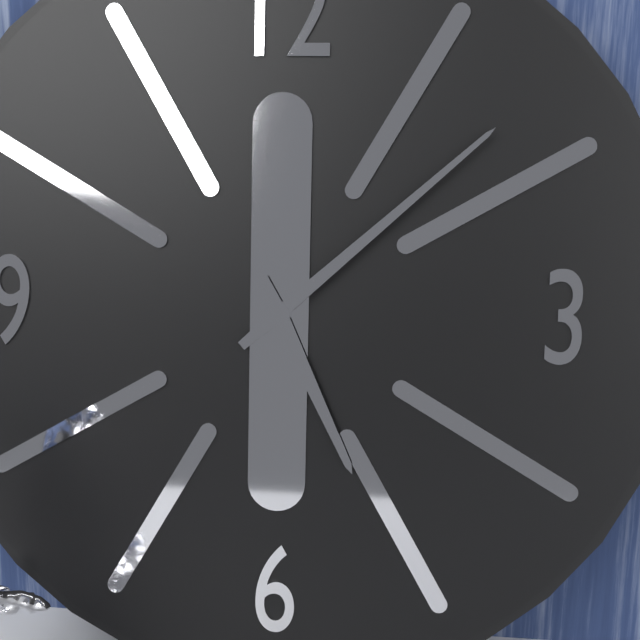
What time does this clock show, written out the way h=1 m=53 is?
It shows h=5 m=8
